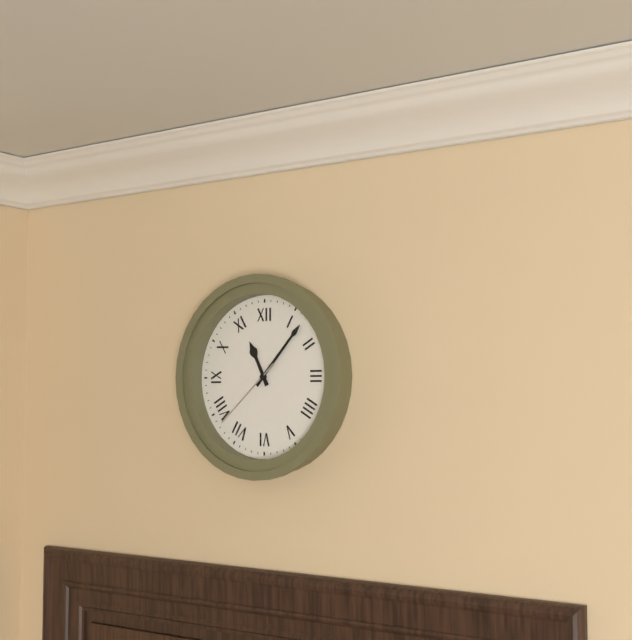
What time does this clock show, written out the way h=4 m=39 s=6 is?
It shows h=11 m=7 s=38
